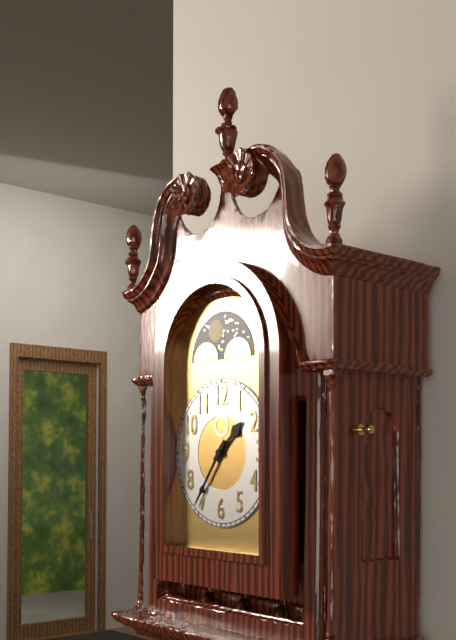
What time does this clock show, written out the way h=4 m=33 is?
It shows h=1 m=36
